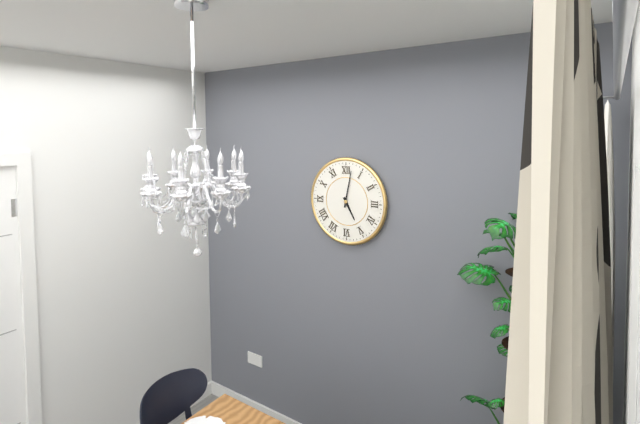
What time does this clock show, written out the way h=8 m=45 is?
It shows h=5 m=2
